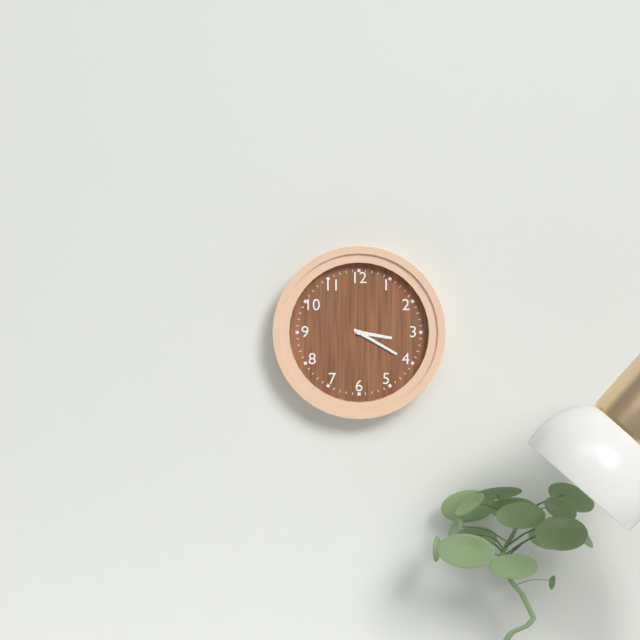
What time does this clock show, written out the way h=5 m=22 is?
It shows h=3 m=20
